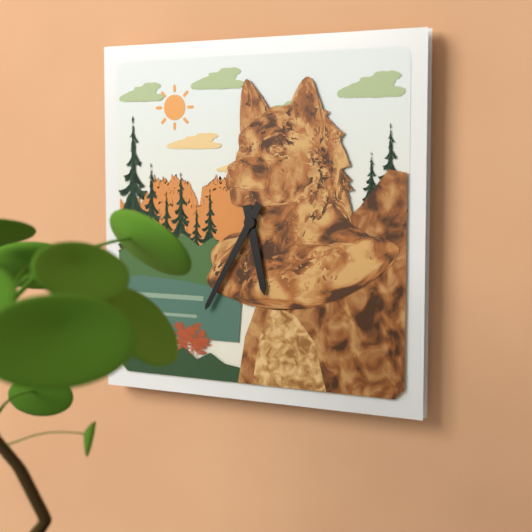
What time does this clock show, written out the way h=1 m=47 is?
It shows h=5 m=35
